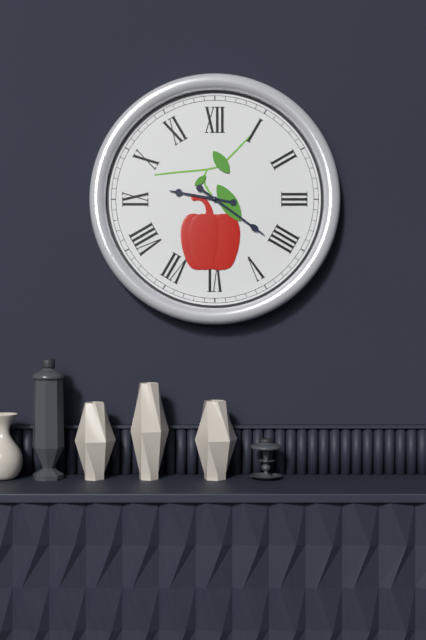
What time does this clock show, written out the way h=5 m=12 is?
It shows h=9 m=21
